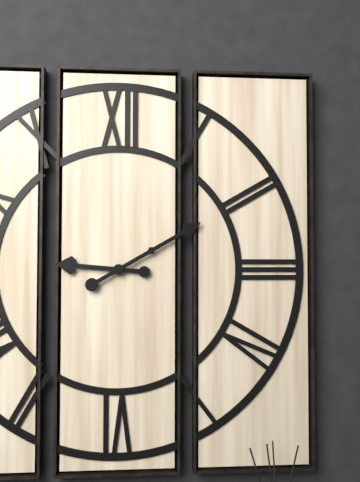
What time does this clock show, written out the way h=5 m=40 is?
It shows h=9 m=10
